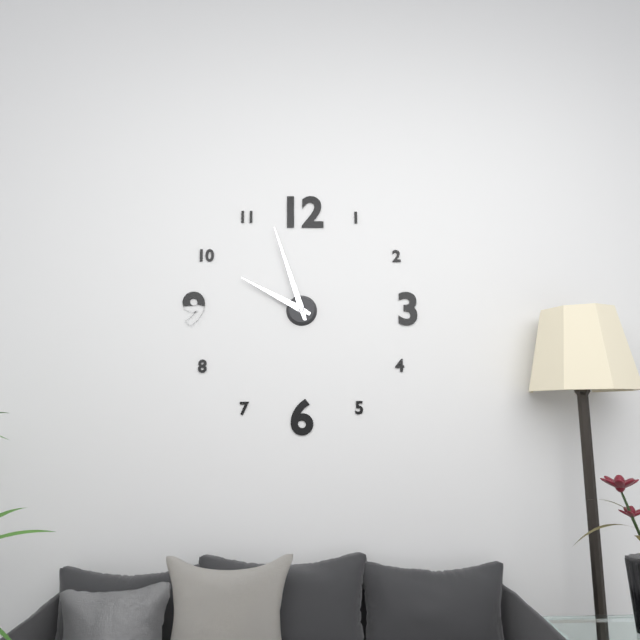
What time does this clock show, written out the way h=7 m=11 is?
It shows h=9 m=57
